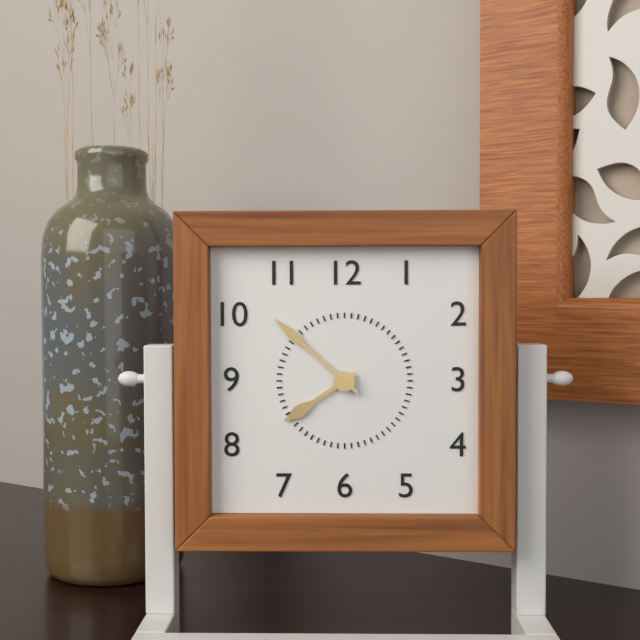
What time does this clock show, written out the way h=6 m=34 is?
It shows h=7 m=52
